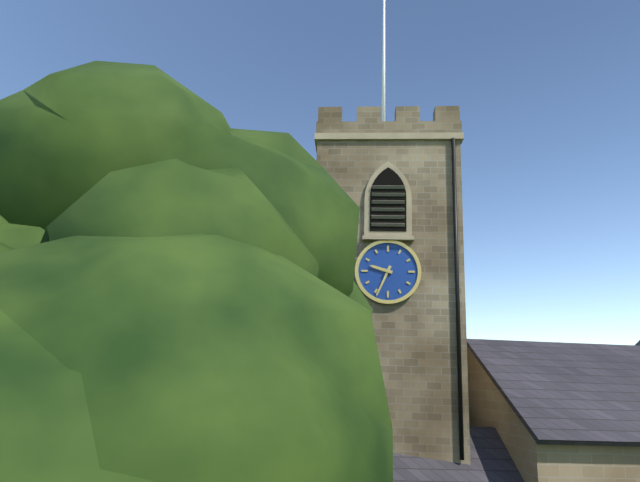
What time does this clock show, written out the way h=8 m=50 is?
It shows h=9 m=34
